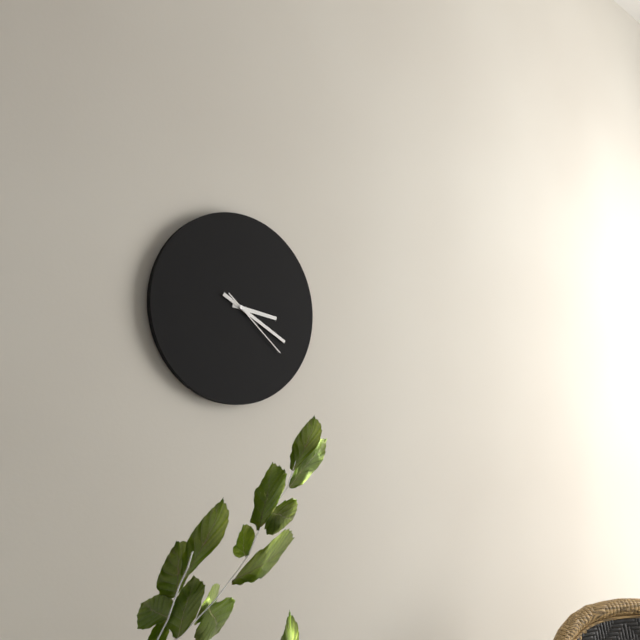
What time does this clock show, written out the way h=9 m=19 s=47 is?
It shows h=3 m=20 s=22
